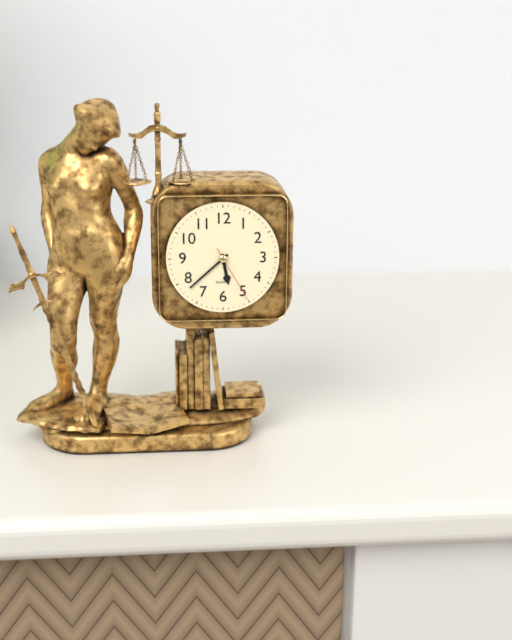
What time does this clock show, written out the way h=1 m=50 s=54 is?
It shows h=5 m=38 s=25
